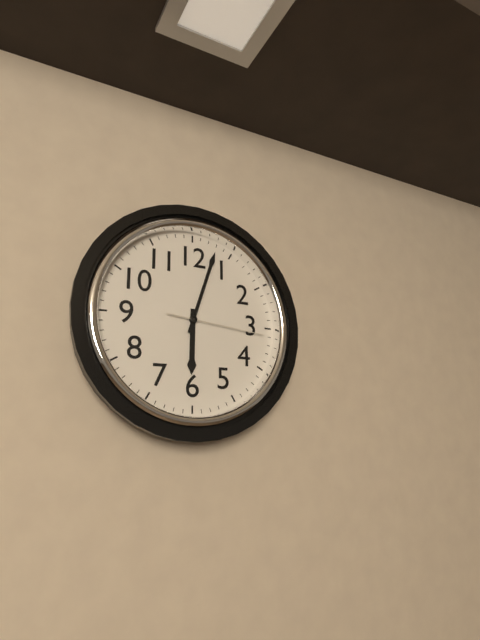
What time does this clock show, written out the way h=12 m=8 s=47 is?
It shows h=6 m=3 s=16
